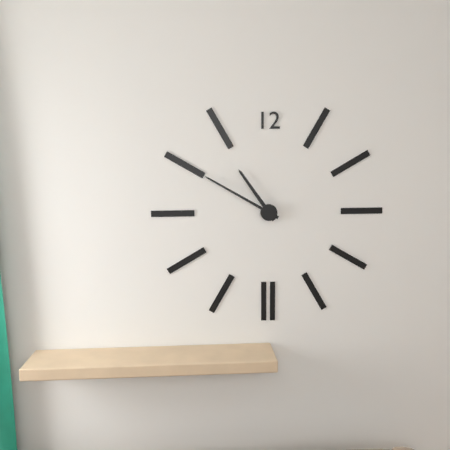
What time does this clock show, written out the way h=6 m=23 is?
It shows h=10 m=50
